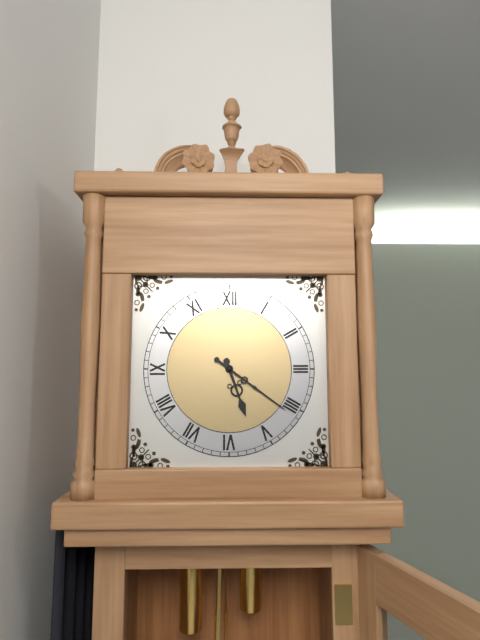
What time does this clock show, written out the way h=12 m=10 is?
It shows h=5 m=21
